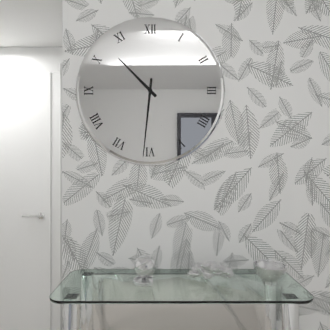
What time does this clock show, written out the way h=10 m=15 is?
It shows h=10 m=31
